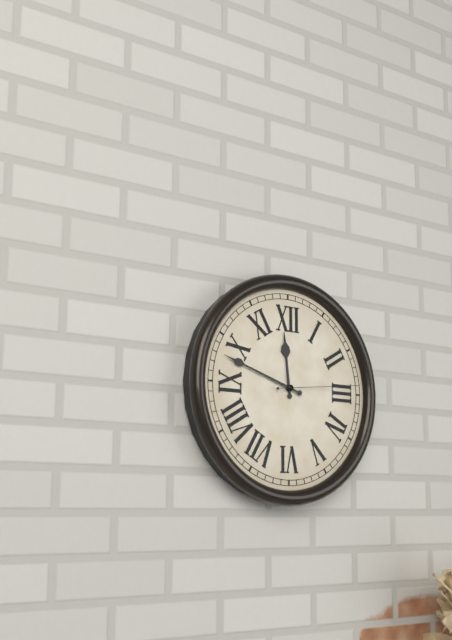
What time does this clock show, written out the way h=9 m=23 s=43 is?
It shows h=11 m=48 s=14
